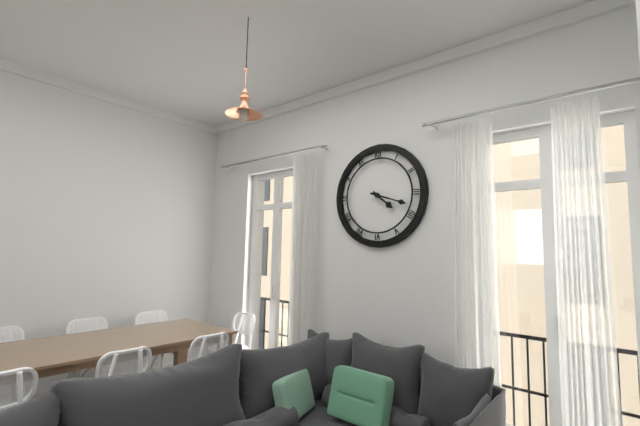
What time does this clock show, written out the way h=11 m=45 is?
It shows h=4 m=18
